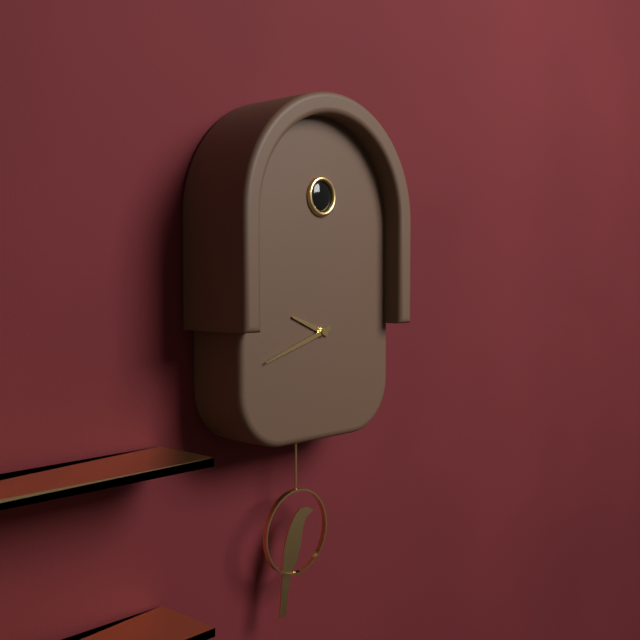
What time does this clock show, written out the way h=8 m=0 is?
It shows h=9 m=42
